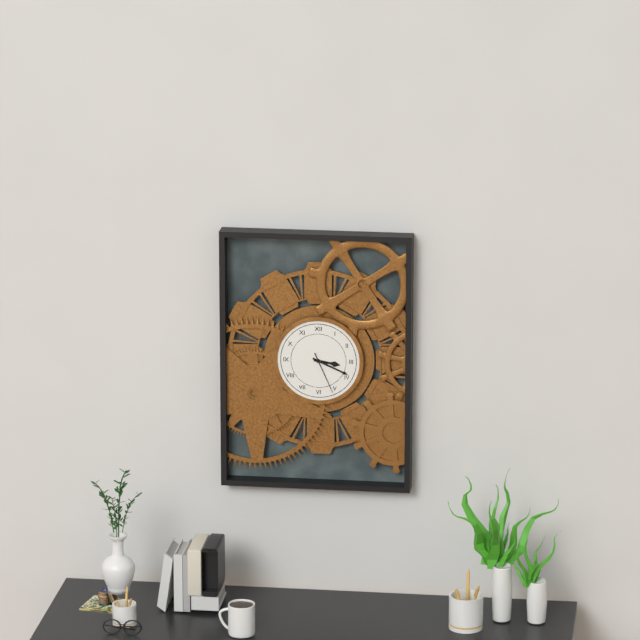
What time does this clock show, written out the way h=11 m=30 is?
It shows h=3 m=19
